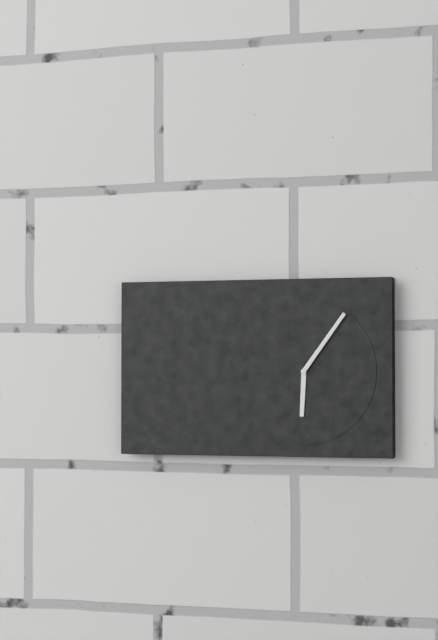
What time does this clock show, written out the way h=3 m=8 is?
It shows h=6 m=6
